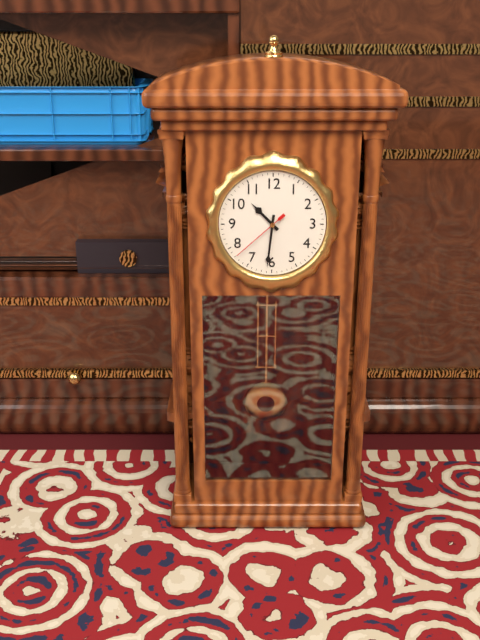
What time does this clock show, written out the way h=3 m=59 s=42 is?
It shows h=10 m=31 s=38
